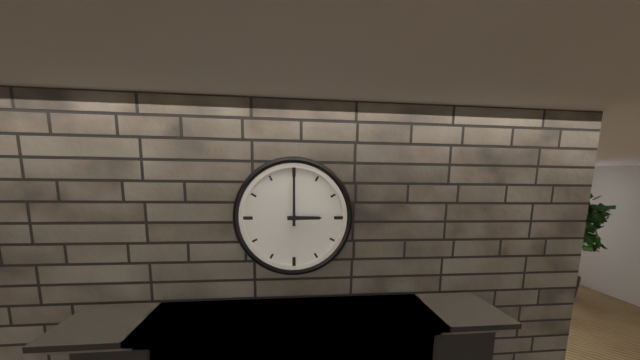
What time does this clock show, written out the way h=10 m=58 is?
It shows h=3 m=0
